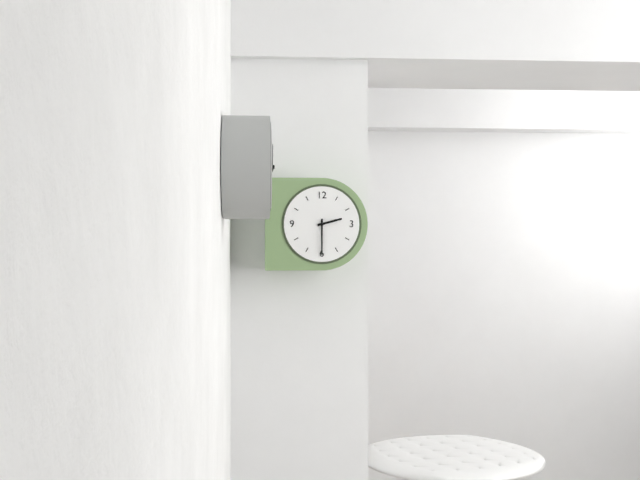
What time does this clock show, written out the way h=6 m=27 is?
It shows h=2 m=30
